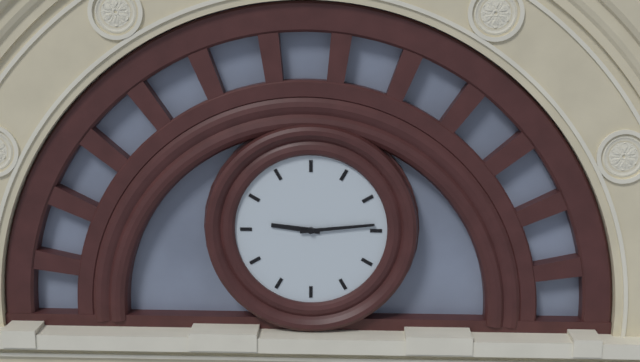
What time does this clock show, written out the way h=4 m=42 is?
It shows h=9 m=14
